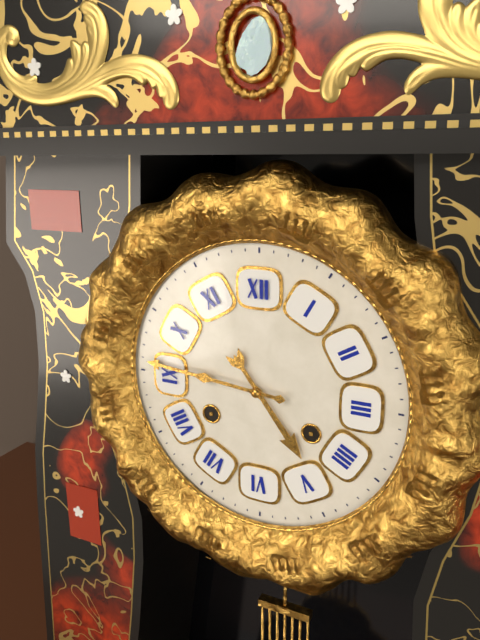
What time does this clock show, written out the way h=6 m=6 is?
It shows h=4 m=46
